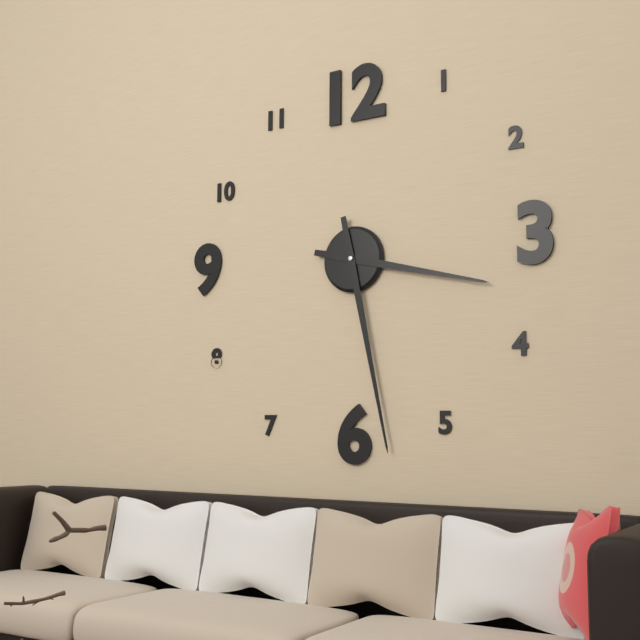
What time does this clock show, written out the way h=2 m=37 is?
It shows h=3 m=28
